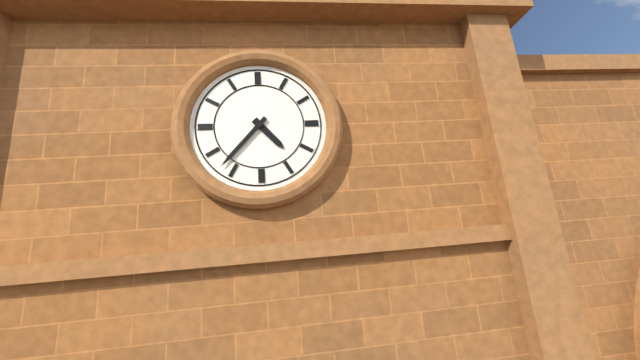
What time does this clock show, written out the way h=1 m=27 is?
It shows h=4 m=37
